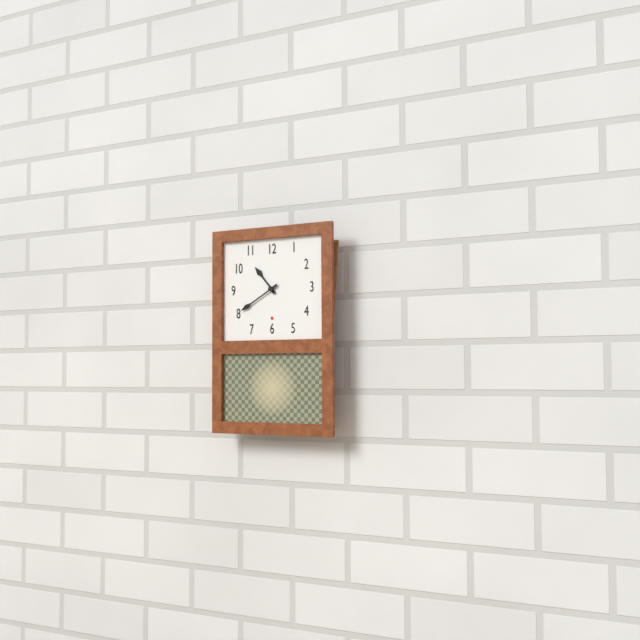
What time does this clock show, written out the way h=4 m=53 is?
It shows h=10 m=40
